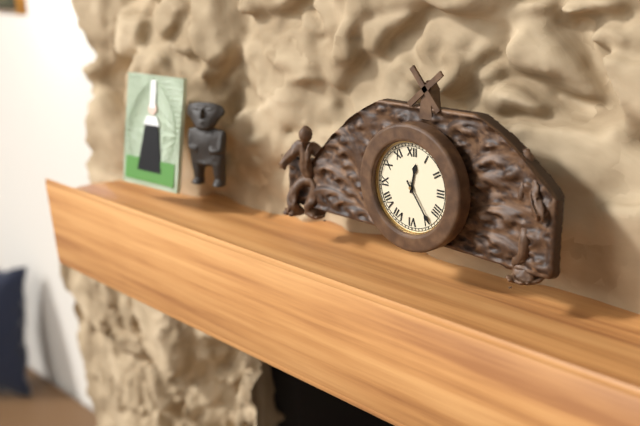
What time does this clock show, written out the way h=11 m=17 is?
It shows h=12 m=24
